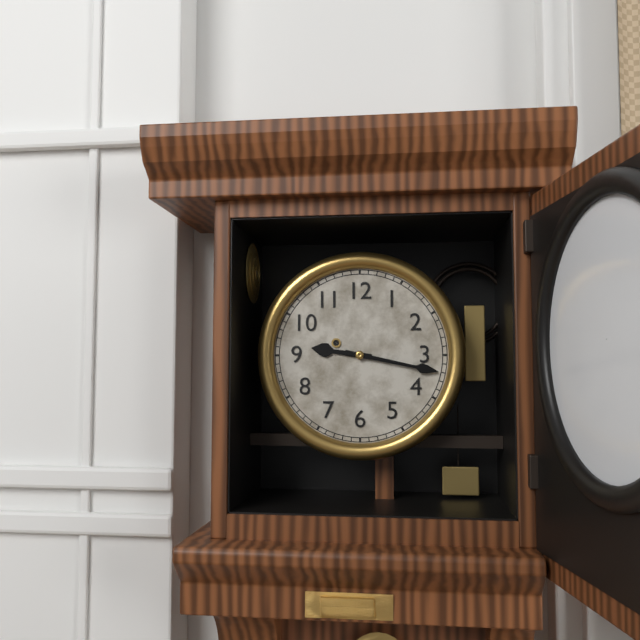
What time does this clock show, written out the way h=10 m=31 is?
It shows h=9 m=17
